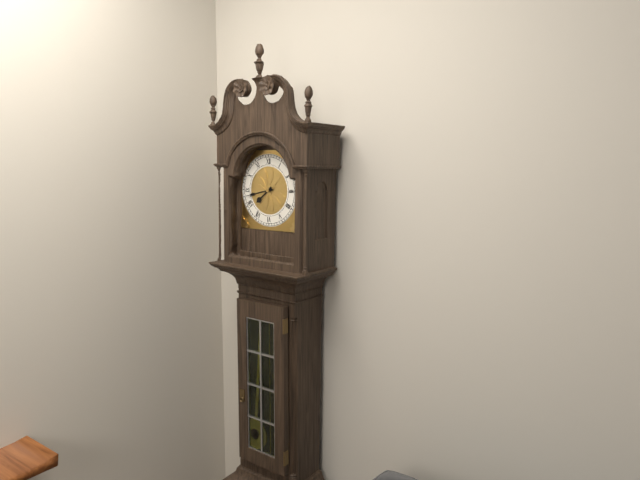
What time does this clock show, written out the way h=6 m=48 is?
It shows h=7 m=43
